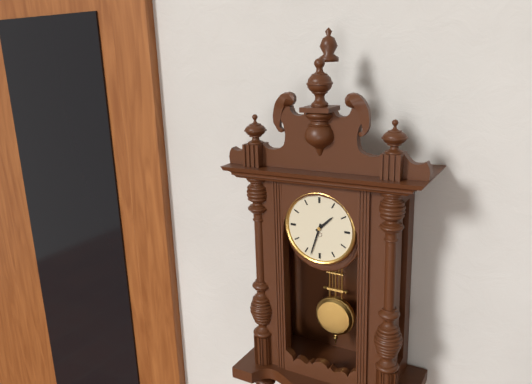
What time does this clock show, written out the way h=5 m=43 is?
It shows h=1 m=33
